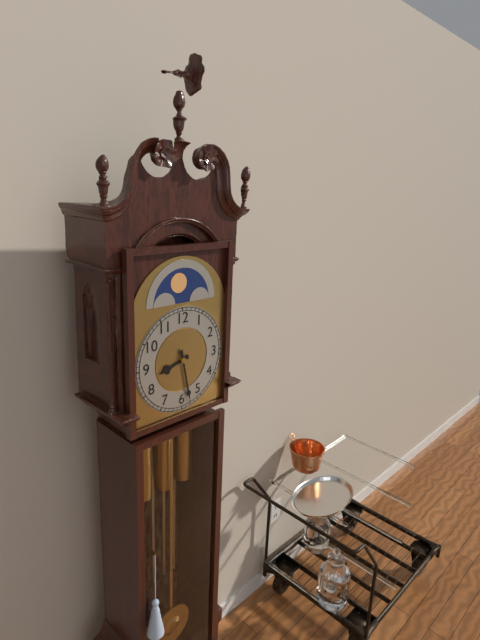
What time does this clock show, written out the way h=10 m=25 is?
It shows h=8 m=28
